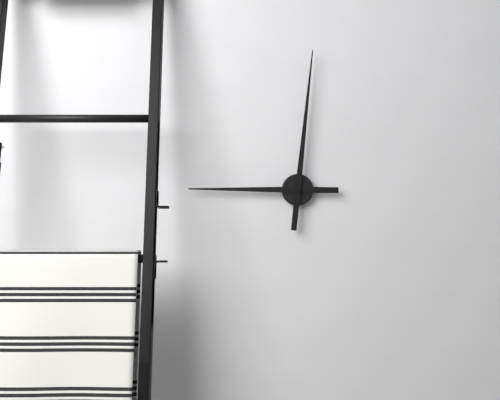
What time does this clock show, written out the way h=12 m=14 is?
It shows h=9 m=1
